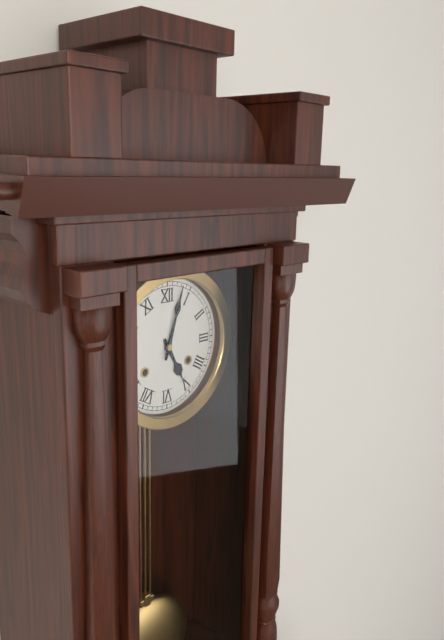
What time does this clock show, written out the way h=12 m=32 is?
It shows h=5 m=3
